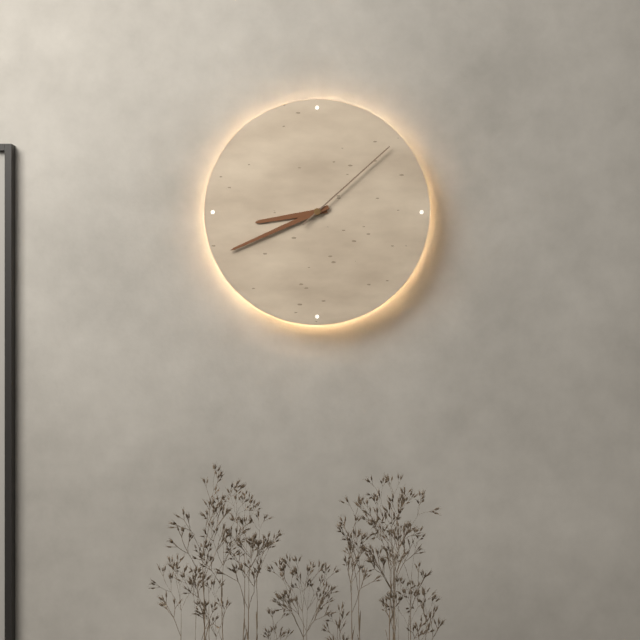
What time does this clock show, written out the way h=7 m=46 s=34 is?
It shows h=8 m=41 s=8
